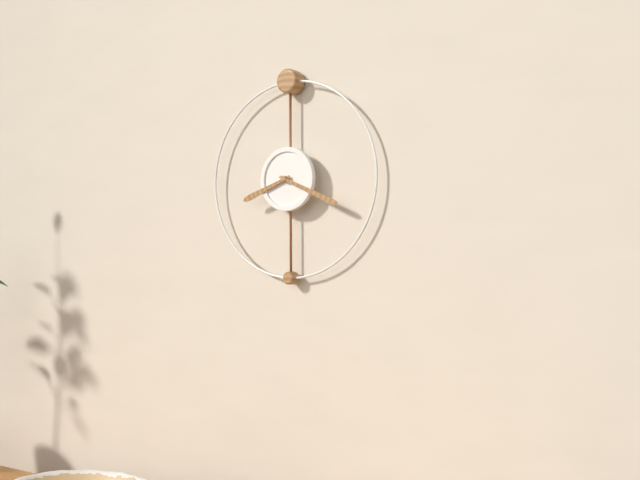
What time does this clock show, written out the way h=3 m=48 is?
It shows h=8 m=19
